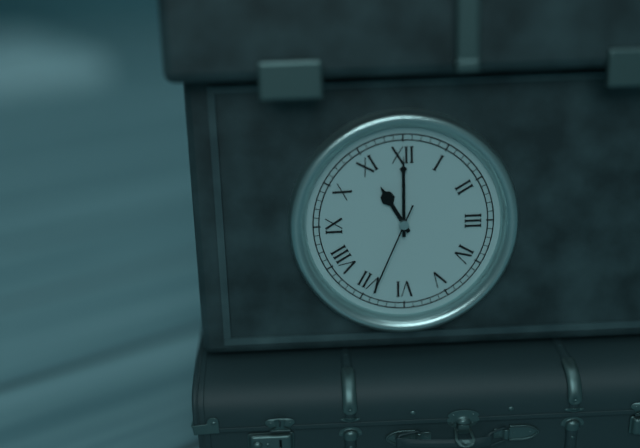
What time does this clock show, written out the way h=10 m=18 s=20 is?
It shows h=11 m=0 s=34
